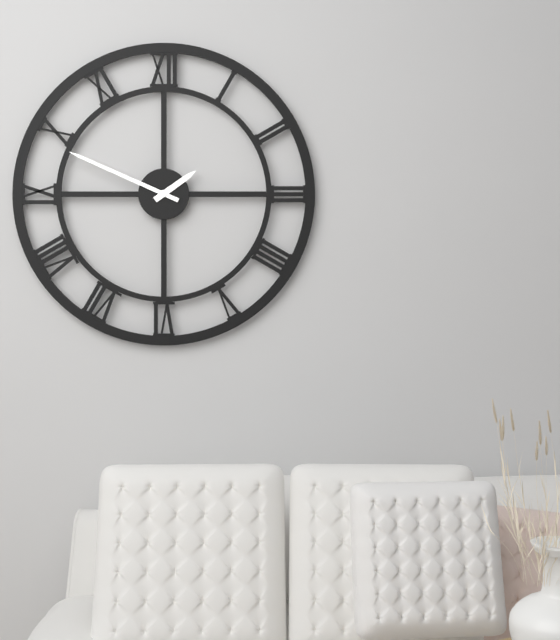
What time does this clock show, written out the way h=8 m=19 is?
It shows h=1 m=49
